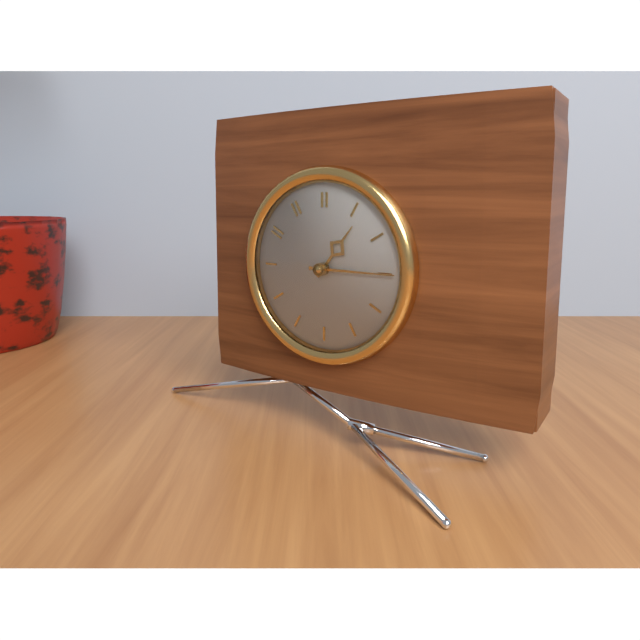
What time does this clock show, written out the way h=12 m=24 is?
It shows h=1 m=15
